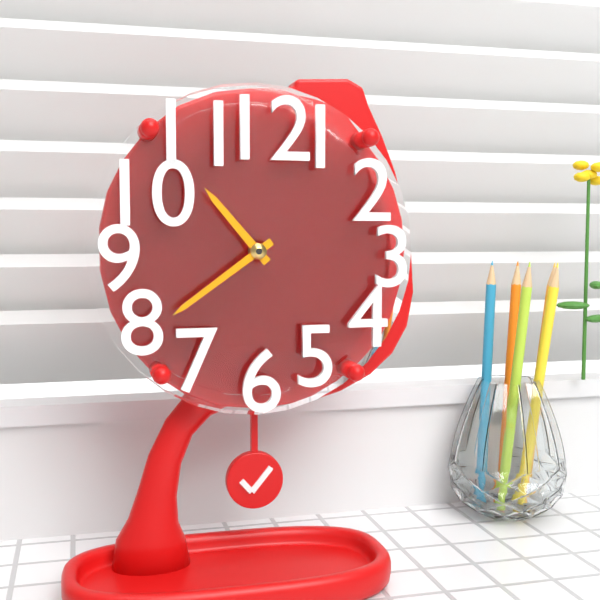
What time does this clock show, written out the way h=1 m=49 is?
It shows h=10 m=39
